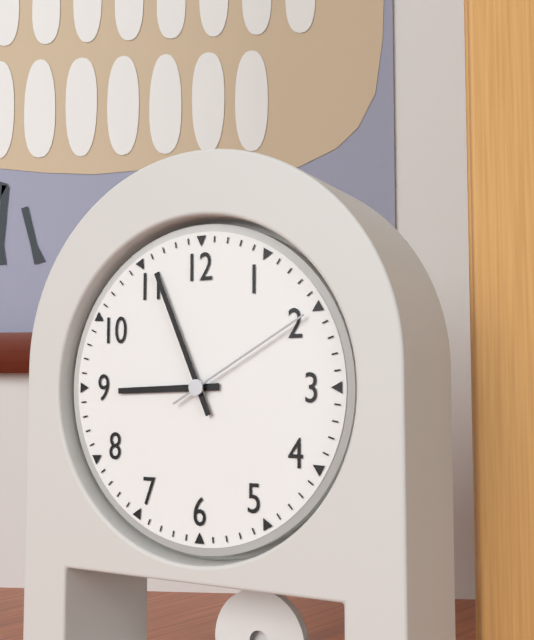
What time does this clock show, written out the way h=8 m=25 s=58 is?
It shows h=8 m=56 s=10
